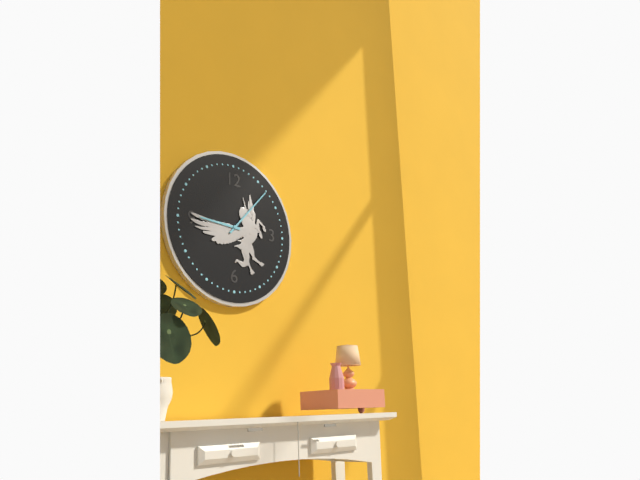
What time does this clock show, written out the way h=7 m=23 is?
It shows h=9 m=7
